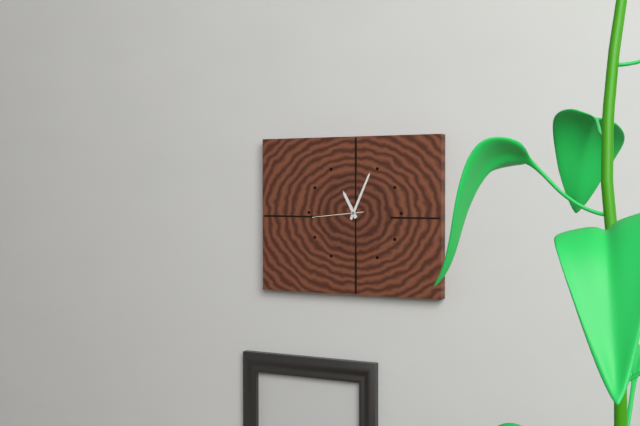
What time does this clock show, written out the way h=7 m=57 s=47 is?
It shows h=11 m=4 s=44
